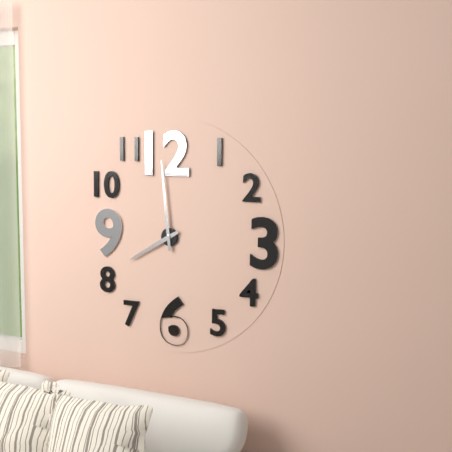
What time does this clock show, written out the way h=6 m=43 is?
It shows h=7 m=59
